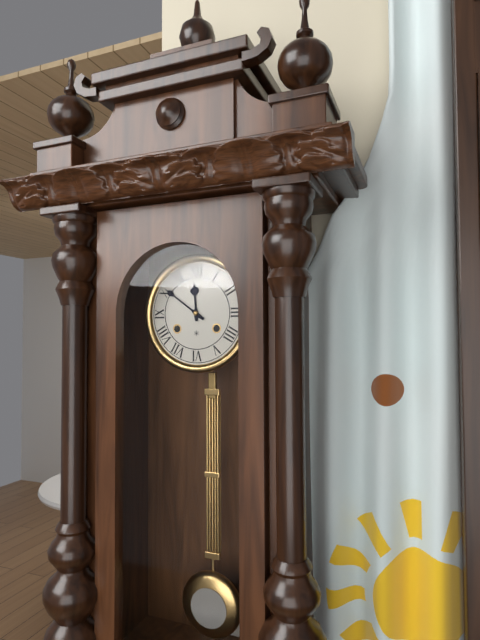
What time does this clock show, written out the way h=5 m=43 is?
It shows h=11 m=51
